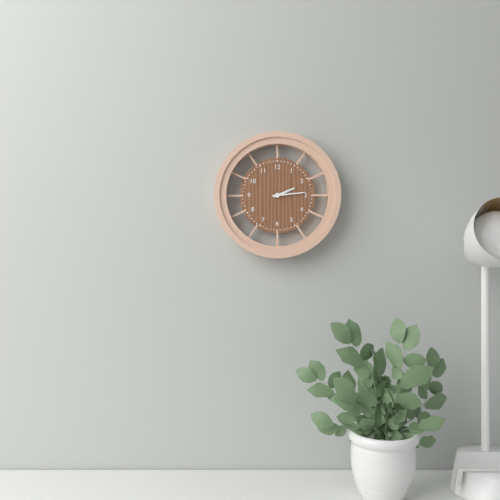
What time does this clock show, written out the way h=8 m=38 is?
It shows h=2 m=14
